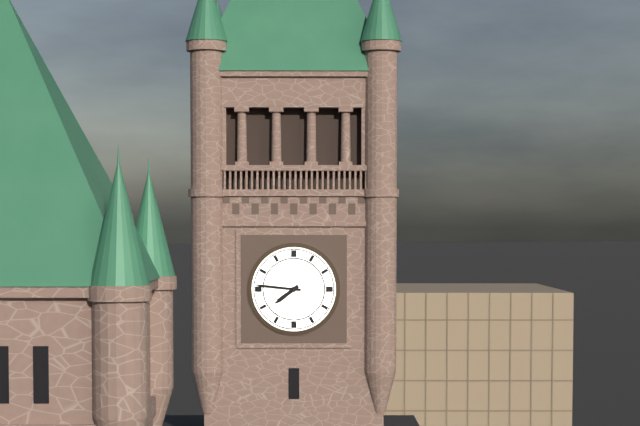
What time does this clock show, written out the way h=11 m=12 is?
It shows h=7 m=46
